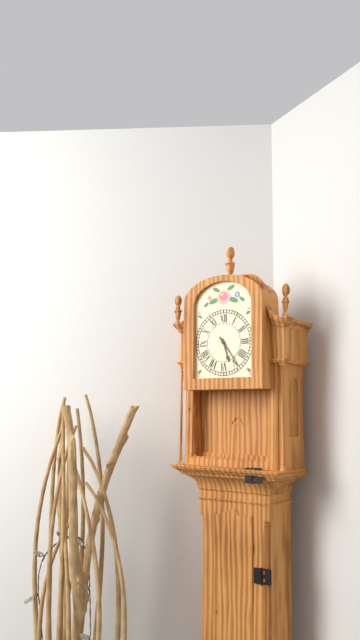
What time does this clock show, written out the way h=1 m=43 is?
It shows h=5 m=24
